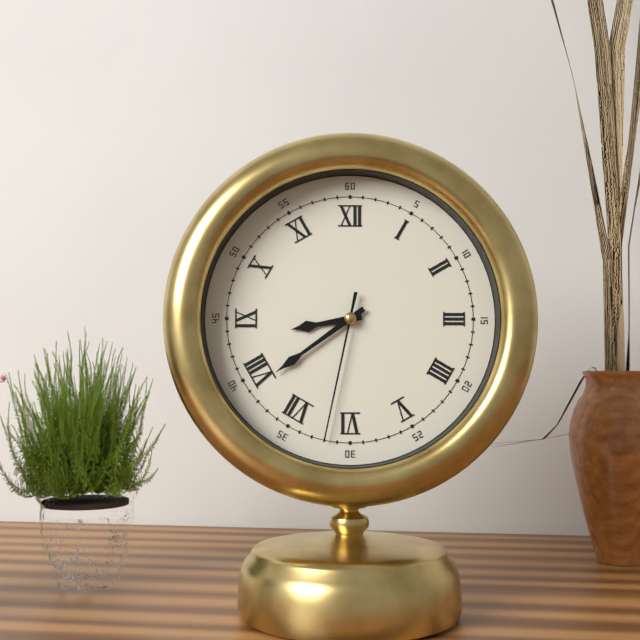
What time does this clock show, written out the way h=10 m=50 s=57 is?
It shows h=8 m=39 s=32
